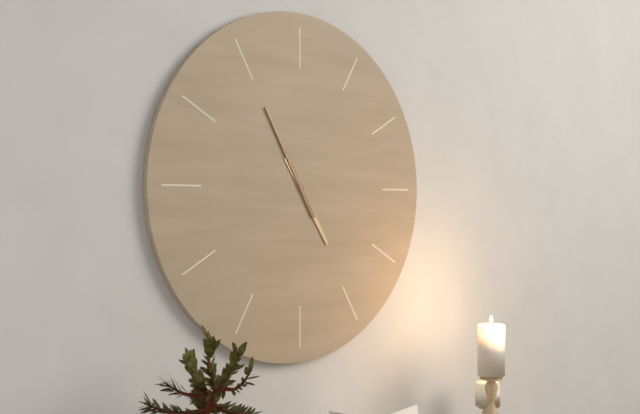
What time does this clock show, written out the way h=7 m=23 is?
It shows h=4 m=55
